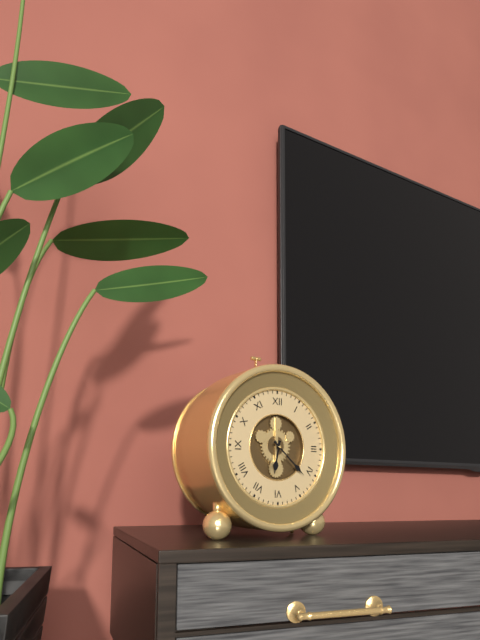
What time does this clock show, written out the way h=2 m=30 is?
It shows h=6 m=22
